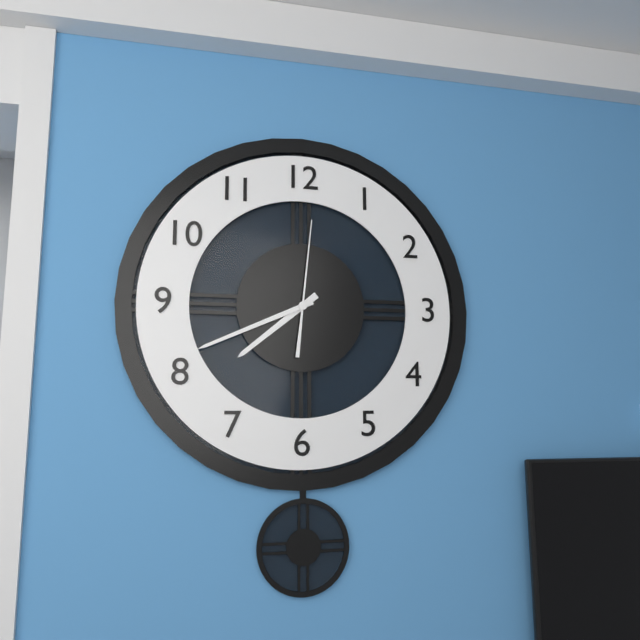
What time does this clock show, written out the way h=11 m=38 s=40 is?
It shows h=7 m=41 s=1
